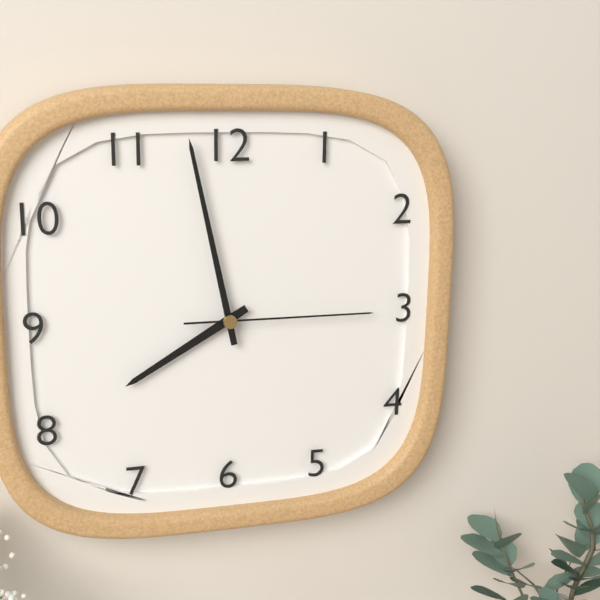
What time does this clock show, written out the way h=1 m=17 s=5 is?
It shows h=7 m=58 s=15
